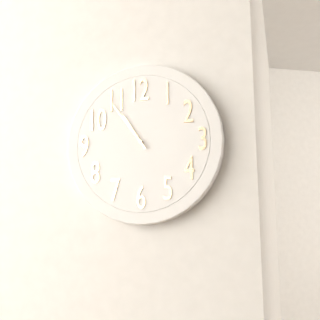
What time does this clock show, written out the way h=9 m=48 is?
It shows h=10 m=54
